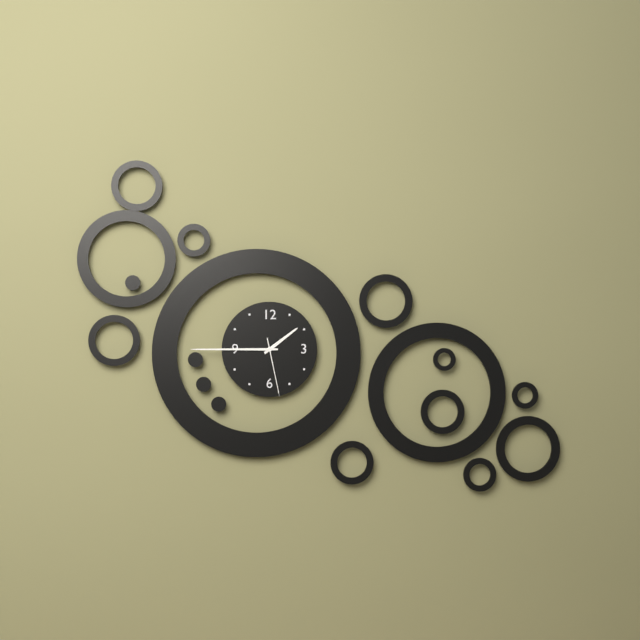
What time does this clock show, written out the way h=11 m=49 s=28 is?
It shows h=1 m=45 s=28
